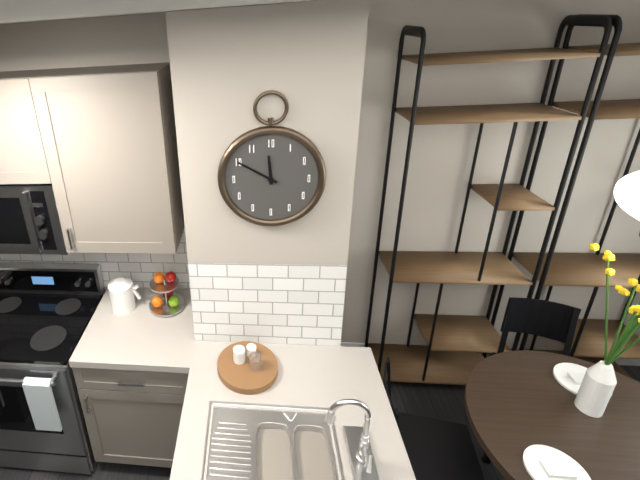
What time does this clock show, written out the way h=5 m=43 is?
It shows h=11 m=50
